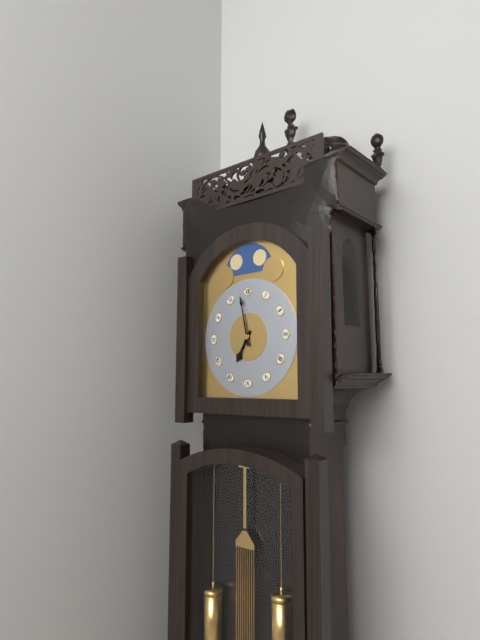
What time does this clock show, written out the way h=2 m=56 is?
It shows h=6 m=58
